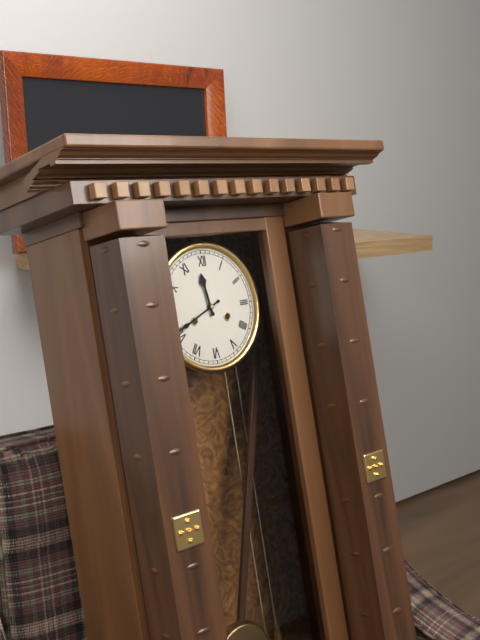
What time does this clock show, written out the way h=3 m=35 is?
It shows h=11 m=41
